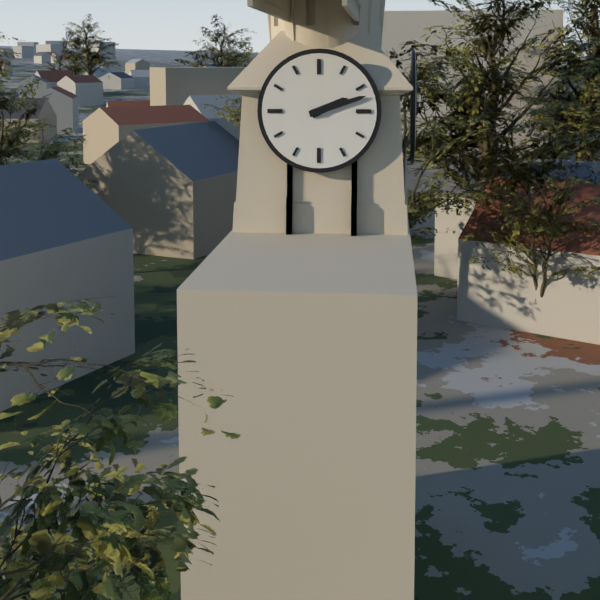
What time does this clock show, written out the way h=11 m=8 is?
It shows h=2 m=12
